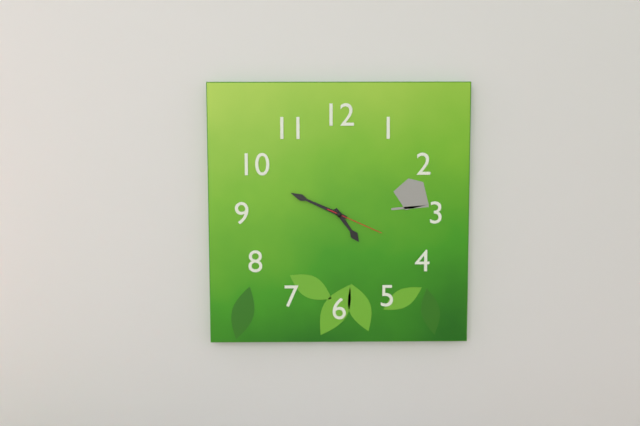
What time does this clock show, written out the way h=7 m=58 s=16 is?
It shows h=4 m=49 s=19
